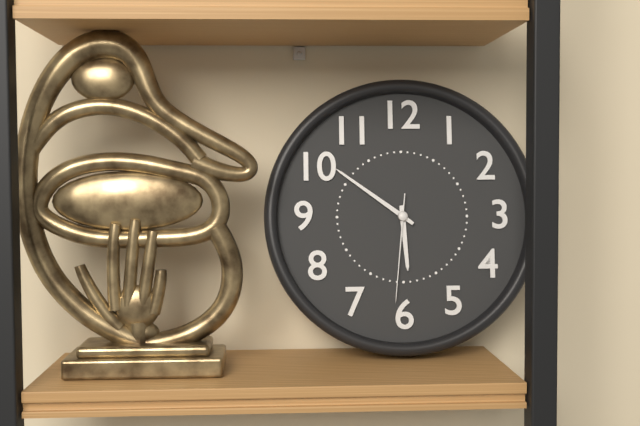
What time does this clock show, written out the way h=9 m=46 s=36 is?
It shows h=5 m=51 s=31
